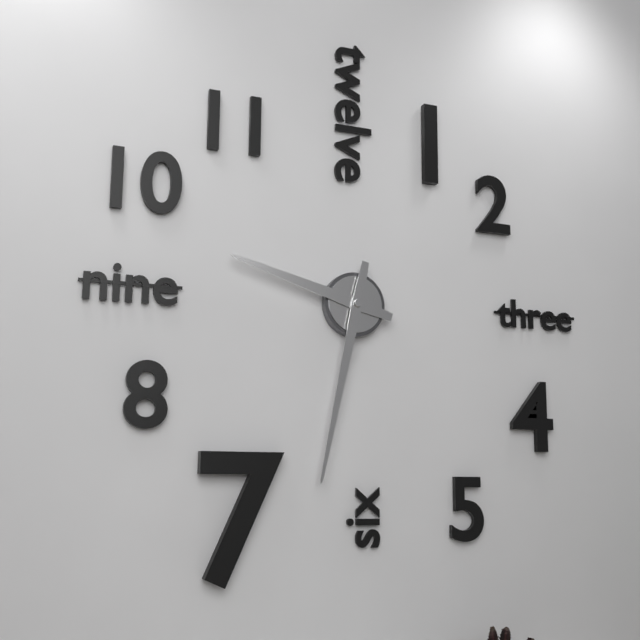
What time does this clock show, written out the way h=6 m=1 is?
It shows h=9 m=32
